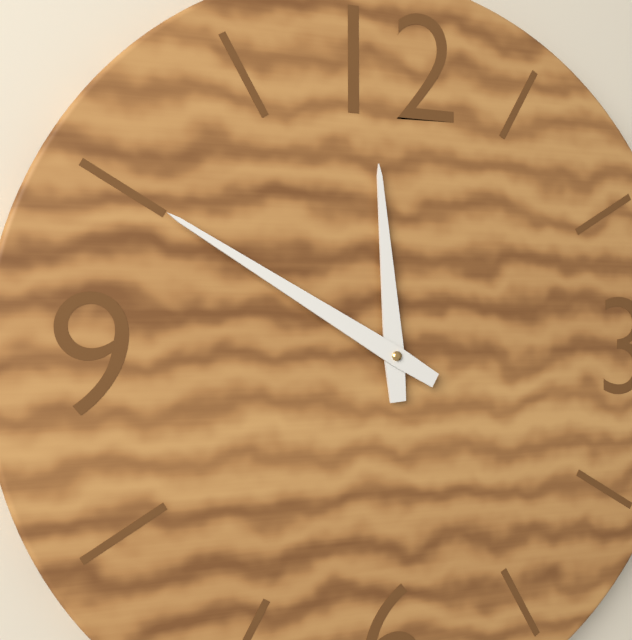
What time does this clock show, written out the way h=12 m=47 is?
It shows h=11 m=50
